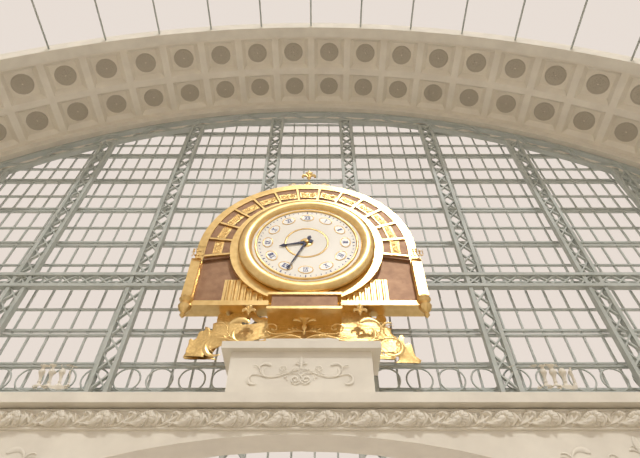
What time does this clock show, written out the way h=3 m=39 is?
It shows h=8 m=34
